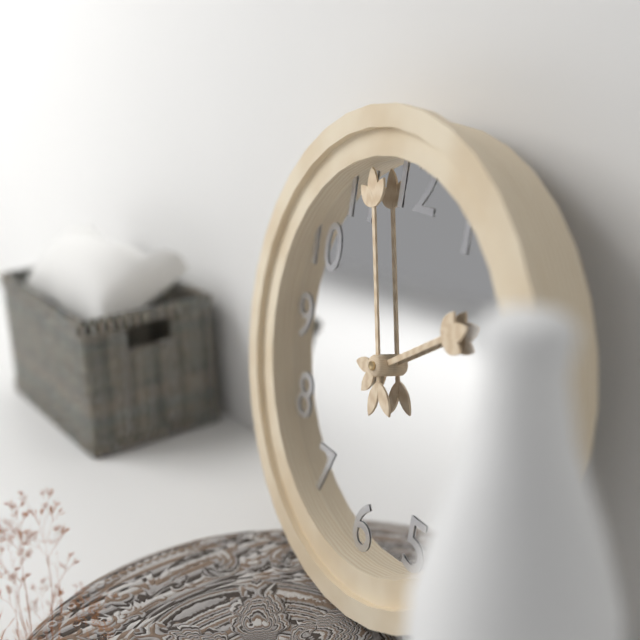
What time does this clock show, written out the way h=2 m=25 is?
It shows h=1 m=57
